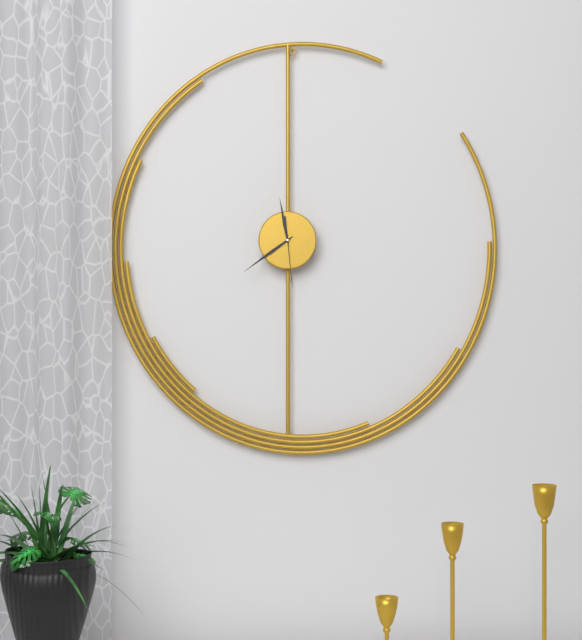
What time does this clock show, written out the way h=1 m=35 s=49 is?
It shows h=11 m=39 s=29
